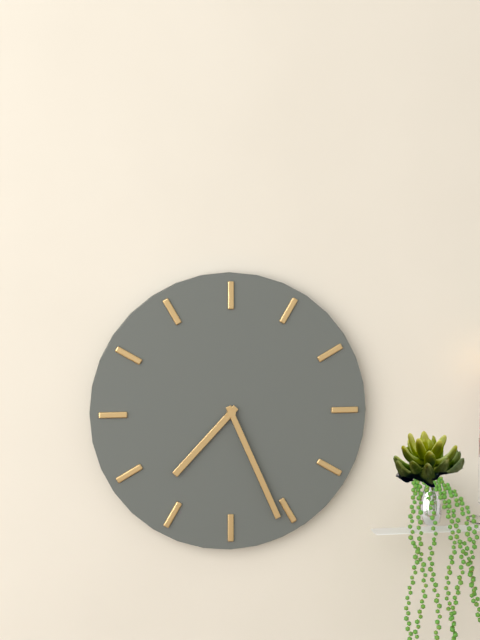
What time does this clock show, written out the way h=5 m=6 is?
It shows h=7 m=26
